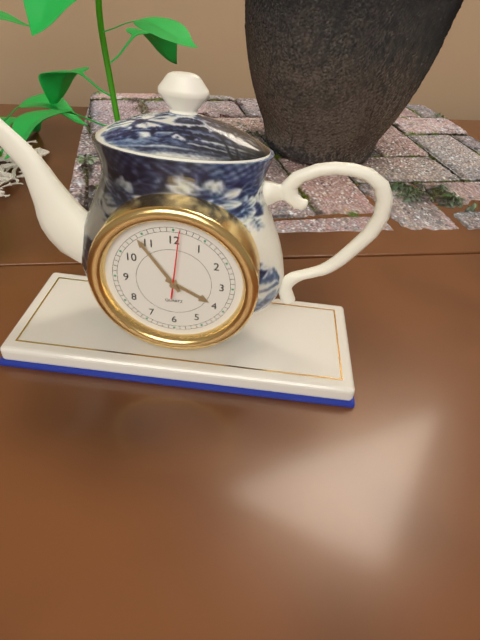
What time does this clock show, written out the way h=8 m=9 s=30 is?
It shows h=3 m=54 s=1
